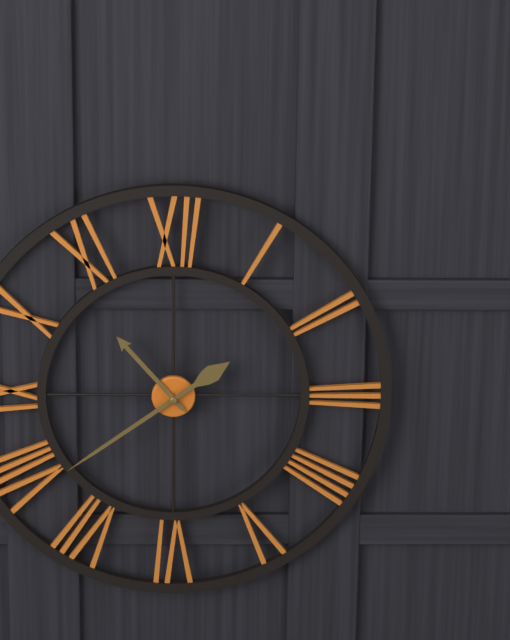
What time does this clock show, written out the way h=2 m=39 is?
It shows h=10 m=39
